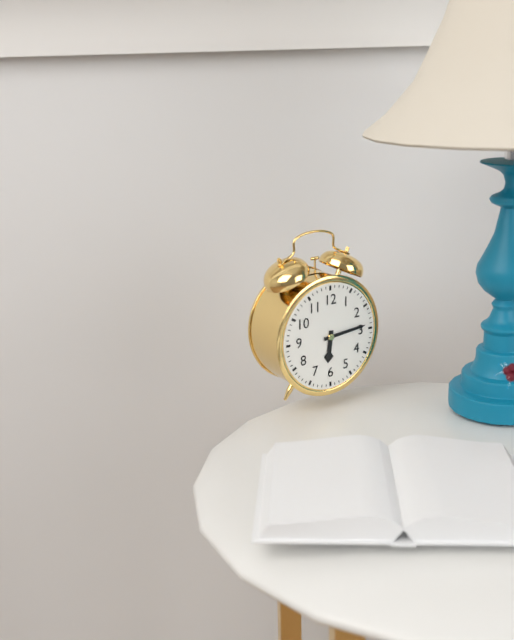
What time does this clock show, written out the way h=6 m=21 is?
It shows h=6 m=14
